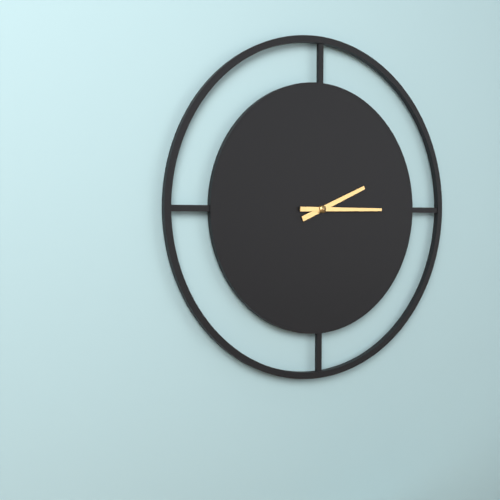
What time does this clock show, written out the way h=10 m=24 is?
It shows h=2 m=15
